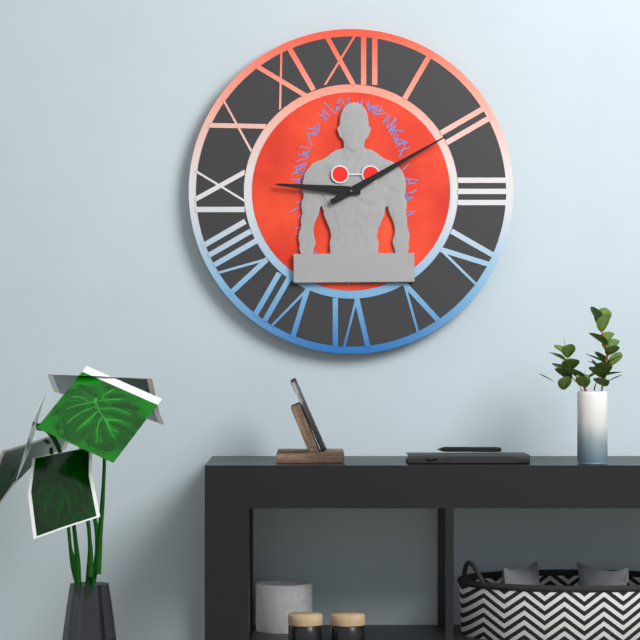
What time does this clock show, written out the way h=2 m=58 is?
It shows h=9 m=10
